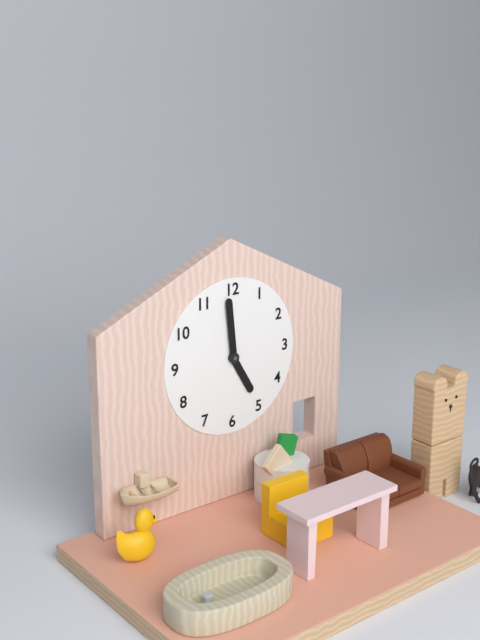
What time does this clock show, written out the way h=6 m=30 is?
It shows h=4 m=59
